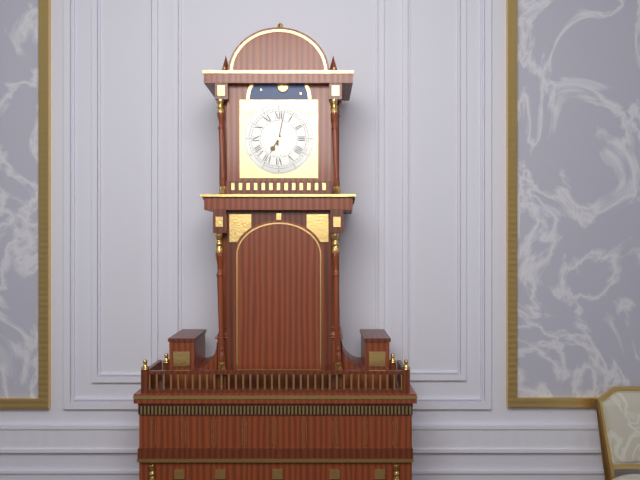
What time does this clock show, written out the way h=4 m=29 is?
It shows h=7 m=2
